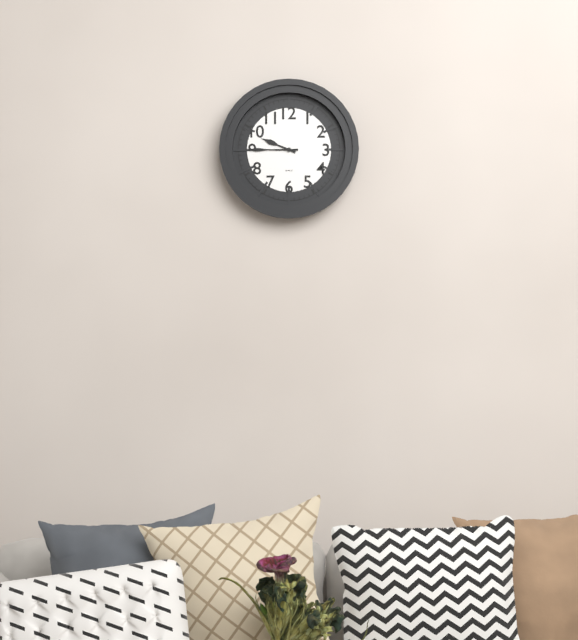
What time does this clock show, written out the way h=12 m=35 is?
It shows h=9 m=45
